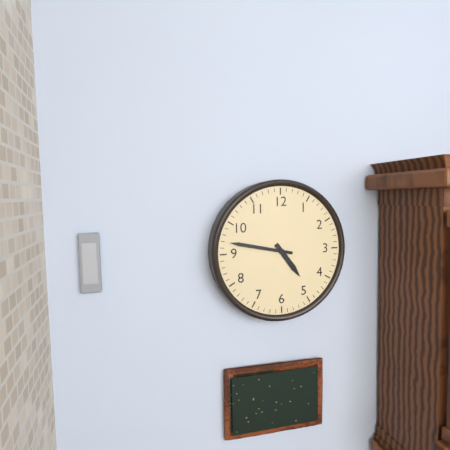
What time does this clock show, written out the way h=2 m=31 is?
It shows h=4 m=47
